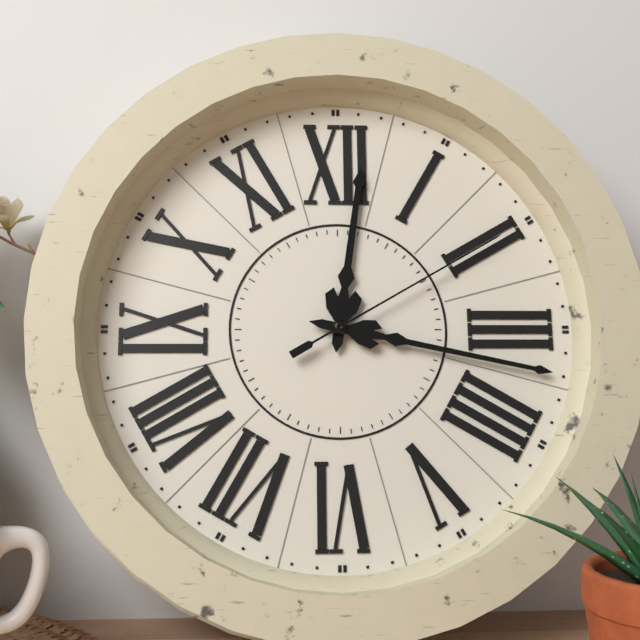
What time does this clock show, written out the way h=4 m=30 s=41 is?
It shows h=12 m=17 s=10
